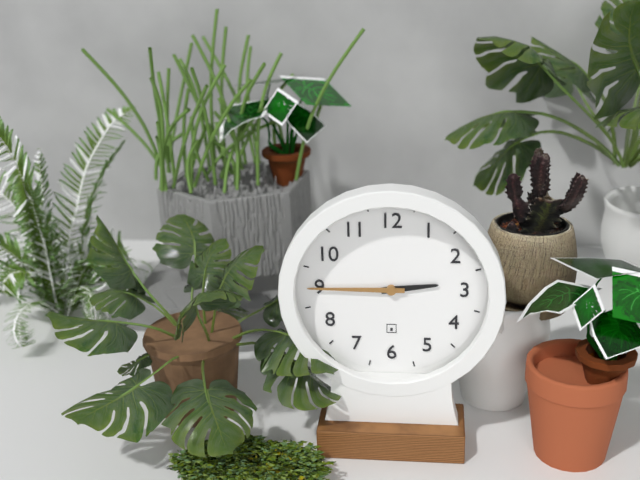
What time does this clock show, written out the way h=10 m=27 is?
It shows h=2 m=45
